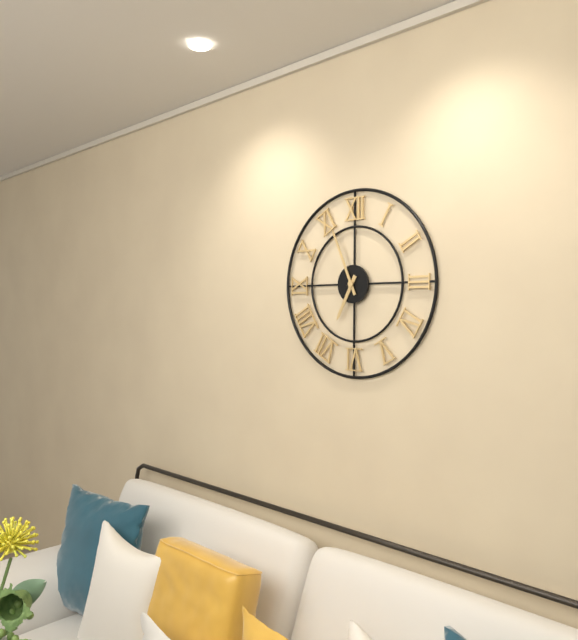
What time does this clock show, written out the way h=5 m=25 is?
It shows h=6 m=56
